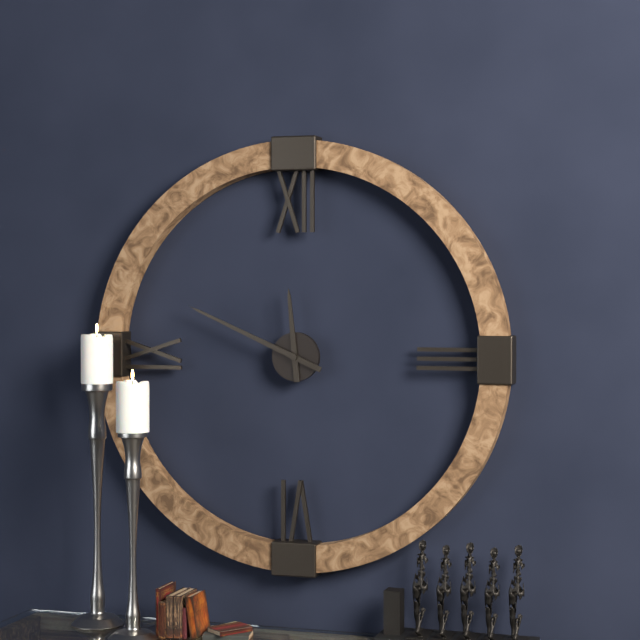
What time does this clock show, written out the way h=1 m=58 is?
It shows h=11 m=49
